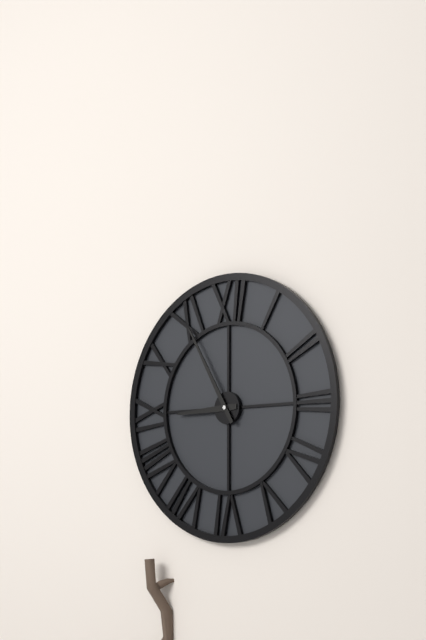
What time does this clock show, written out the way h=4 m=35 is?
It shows h=8 m=55
